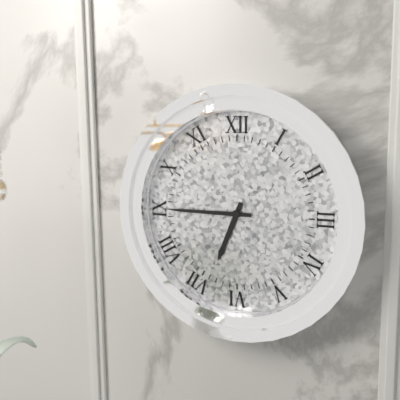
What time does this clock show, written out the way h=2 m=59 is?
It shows h=6 m=45
